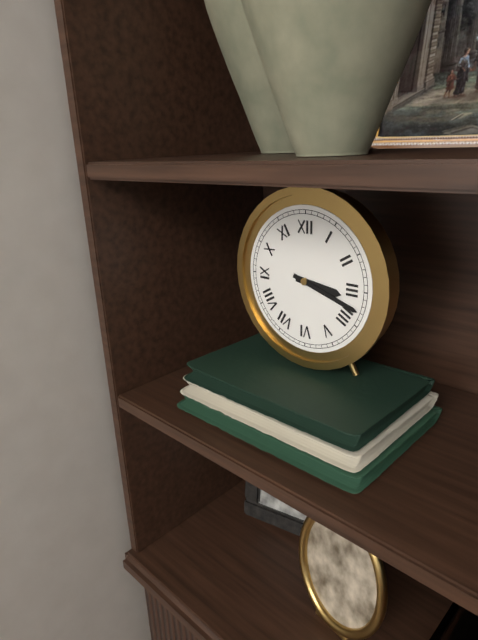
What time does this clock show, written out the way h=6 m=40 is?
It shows h=3 m=18
